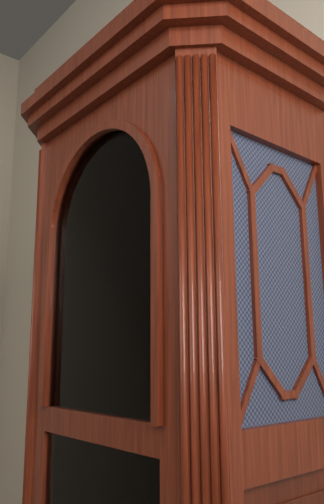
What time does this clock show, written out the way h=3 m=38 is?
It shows h=3 m=1
